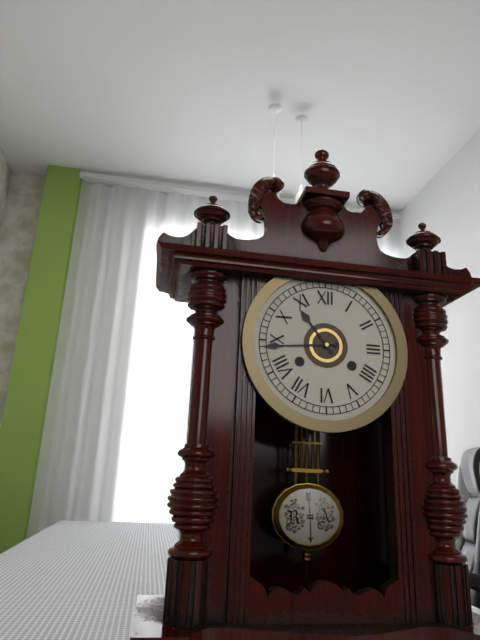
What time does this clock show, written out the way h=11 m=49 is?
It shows h=10 m=44
